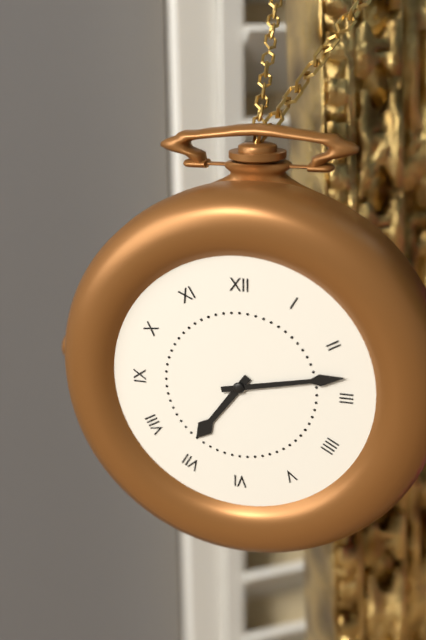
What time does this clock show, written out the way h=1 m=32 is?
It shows h=7 m=13
